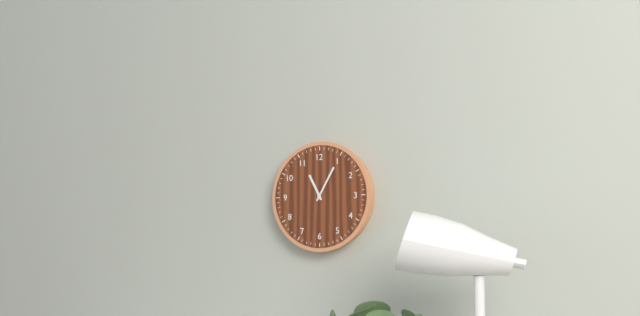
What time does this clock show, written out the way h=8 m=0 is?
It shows h=11 m=5
